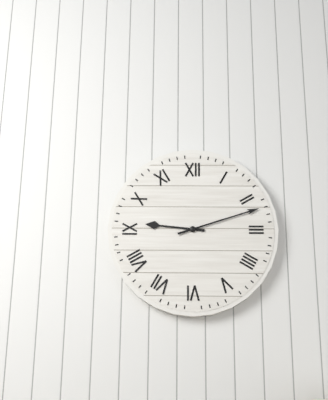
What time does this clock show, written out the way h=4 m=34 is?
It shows h=9 m=12
